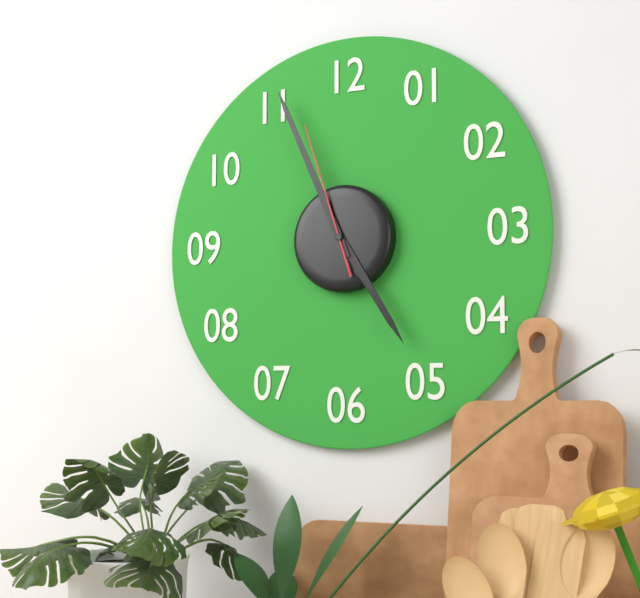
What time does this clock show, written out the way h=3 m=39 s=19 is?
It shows h=4 m=56 s=57
